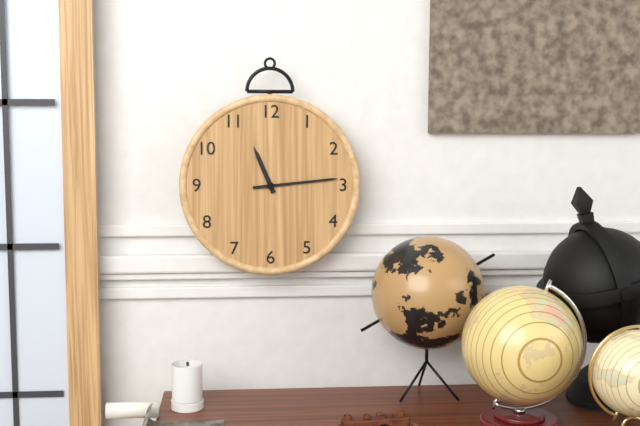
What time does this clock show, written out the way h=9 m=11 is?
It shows h=11 m=14
